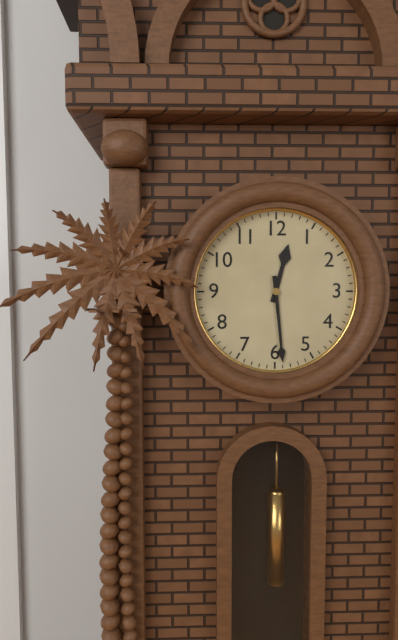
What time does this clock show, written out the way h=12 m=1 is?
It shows h=12 m=29
